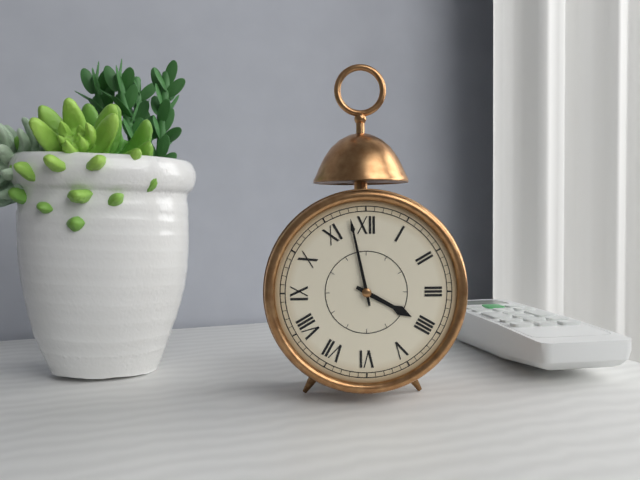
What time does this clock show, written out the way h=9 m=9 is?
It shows h=3 m=58
